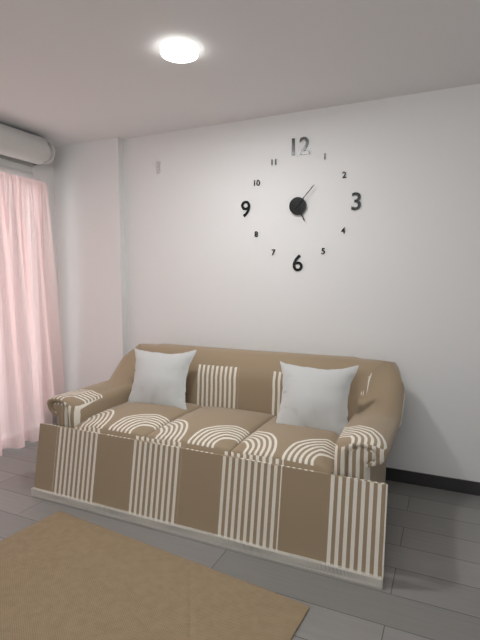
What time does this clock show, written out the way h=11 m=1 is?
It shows h=5 m=7
